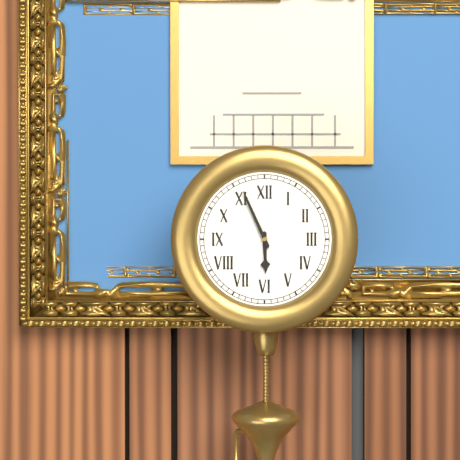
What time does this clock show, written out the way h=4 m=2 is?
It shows h=5 m=56
